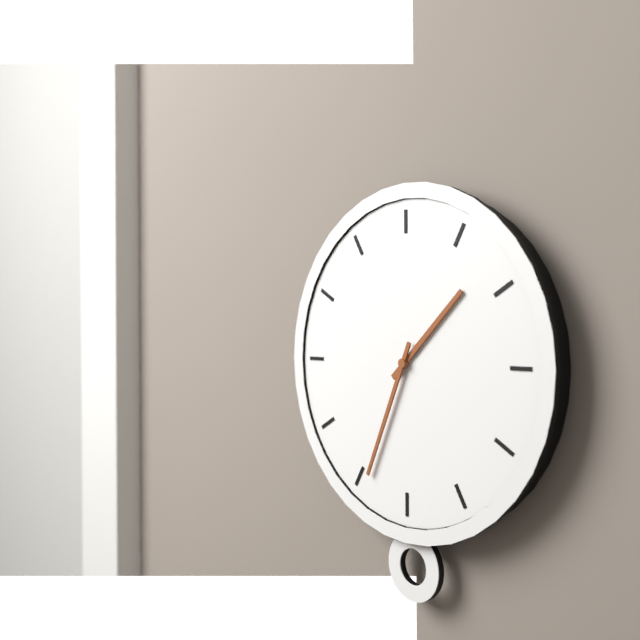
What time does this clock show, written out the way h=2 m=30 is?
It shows h=1 m=34
